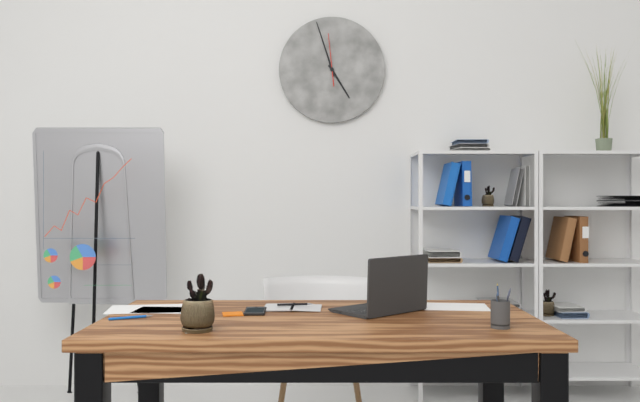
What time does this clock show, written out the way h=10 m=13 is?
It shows h=4 m=57
